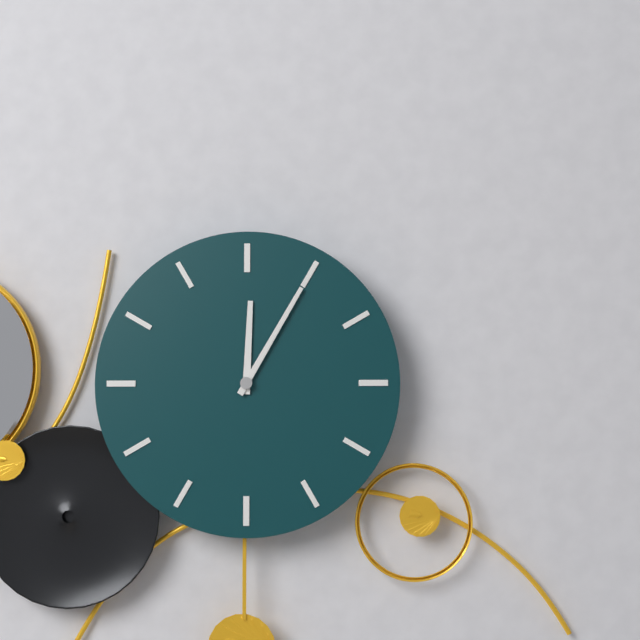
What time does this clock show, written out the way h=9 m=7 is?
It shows h=12 m=5
